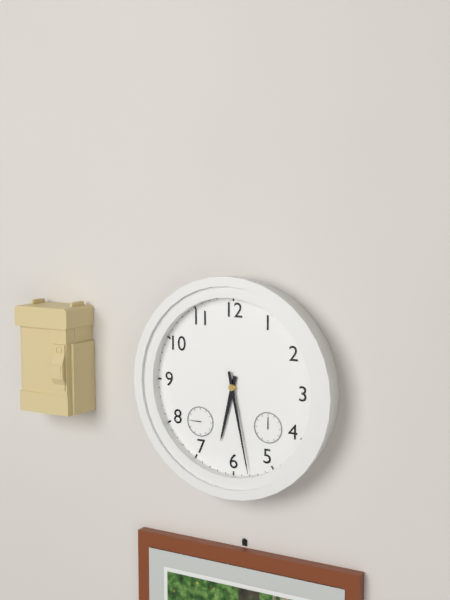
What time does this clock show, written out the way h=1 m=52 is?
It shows h=6 m=28
